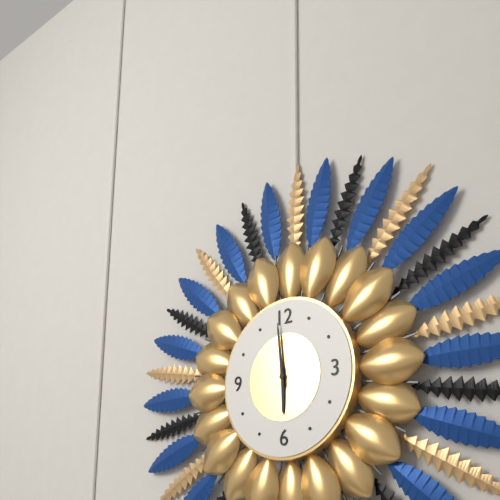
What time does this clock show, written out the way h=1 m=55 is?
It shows h=5 m=59
